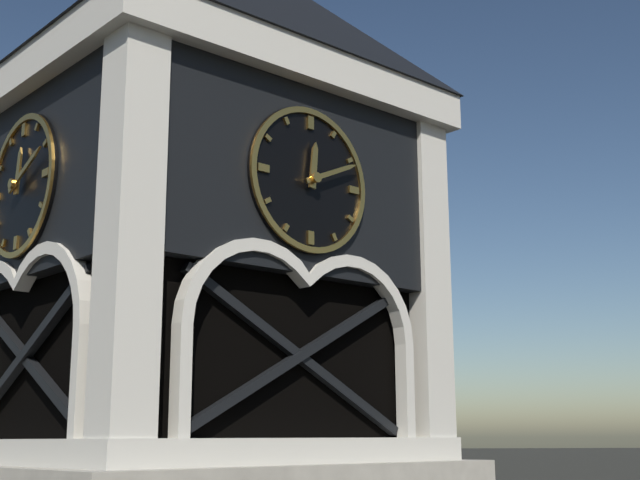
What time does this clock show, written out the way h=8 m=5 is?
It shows h=12 m=11
